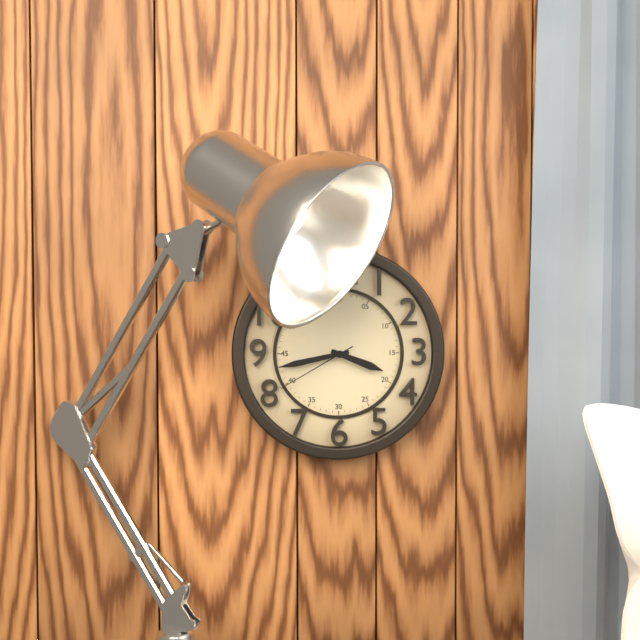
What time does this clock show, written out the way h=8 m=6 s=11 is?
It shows h=3 m=43 s=40
